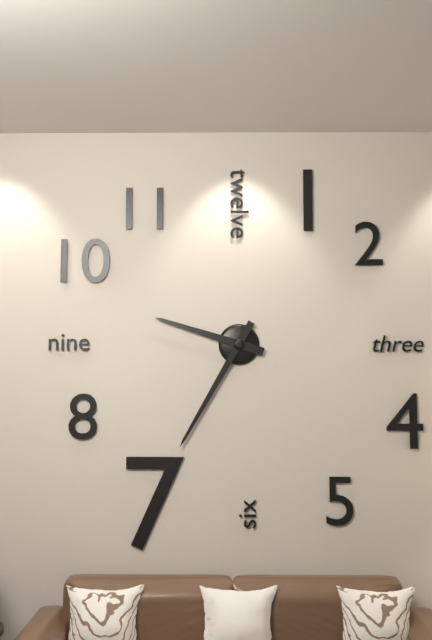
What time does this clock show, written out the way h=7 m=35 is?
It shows h=9 m=35
